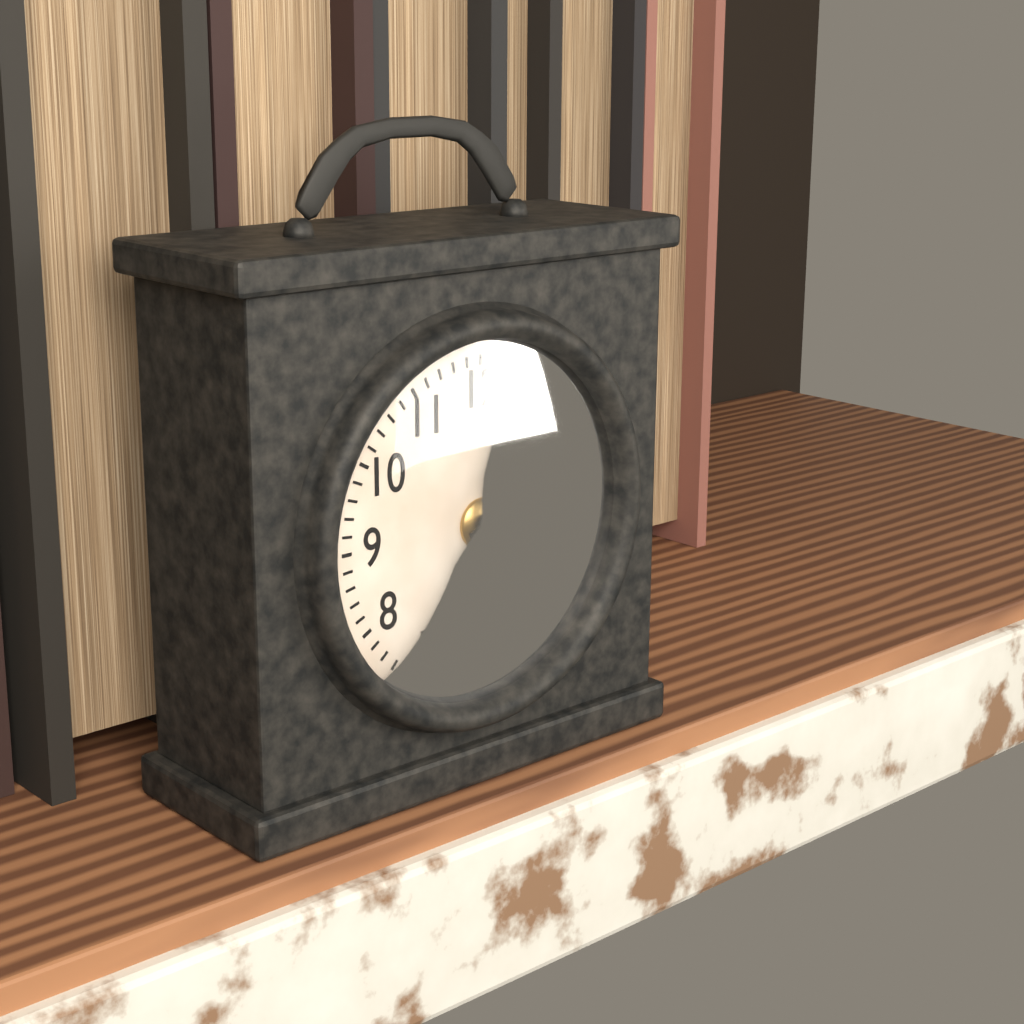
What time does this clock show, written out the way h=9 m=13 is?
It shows h=2 m=7
